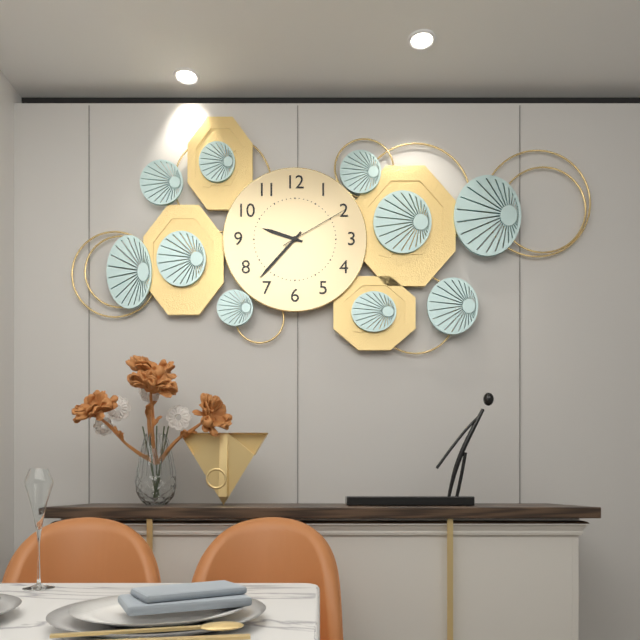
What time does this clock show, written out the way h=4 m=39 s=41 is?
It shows h=9 m=37 s=10
